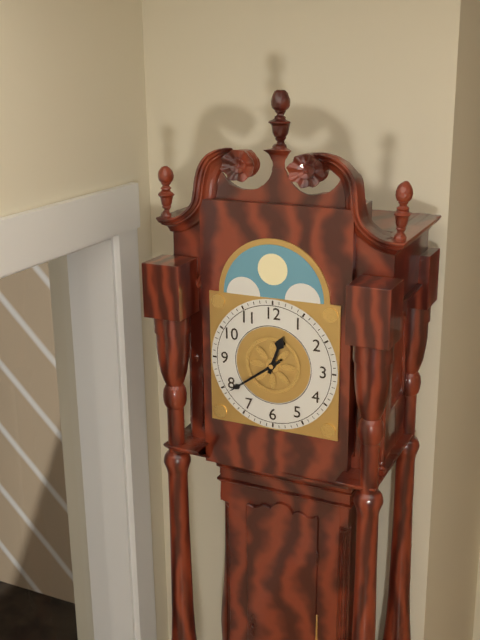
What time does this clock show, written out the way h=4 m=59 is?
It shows h=12 m=39
